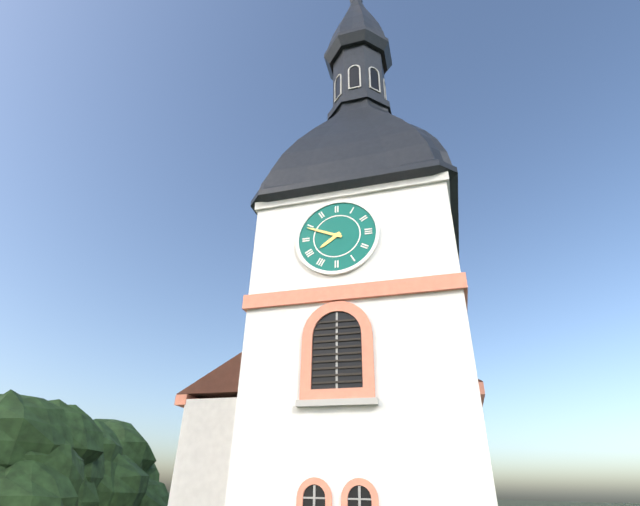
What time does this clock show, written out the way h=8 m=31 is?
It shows h=7 m=49
